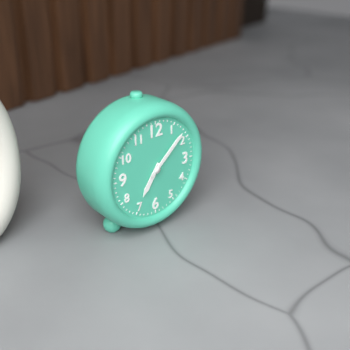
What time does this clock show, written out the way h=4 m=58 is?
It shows h=7 m=8
